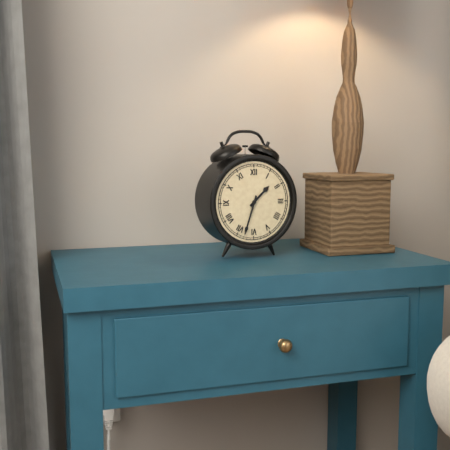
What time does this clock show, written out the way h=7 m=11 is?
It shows h=1 m=33
